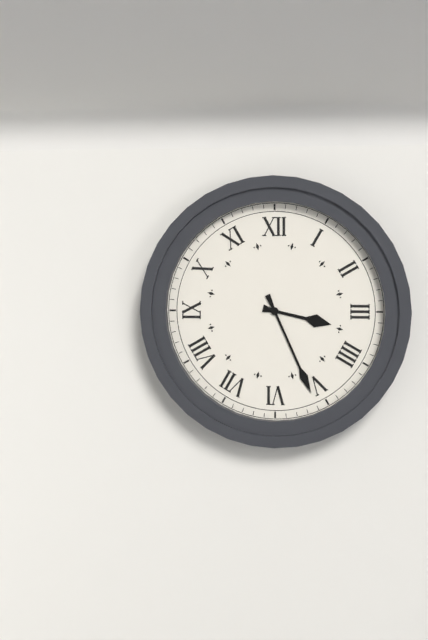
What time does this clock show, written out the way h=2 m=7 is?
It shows h=3 m=26
